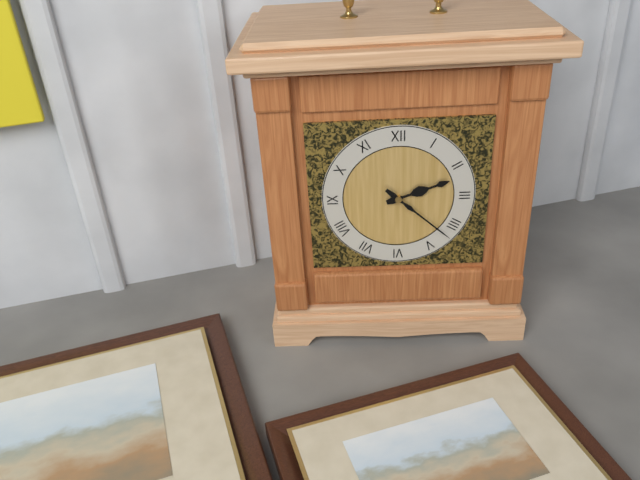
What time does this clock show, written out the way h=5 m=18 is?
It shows h=2 m=22
